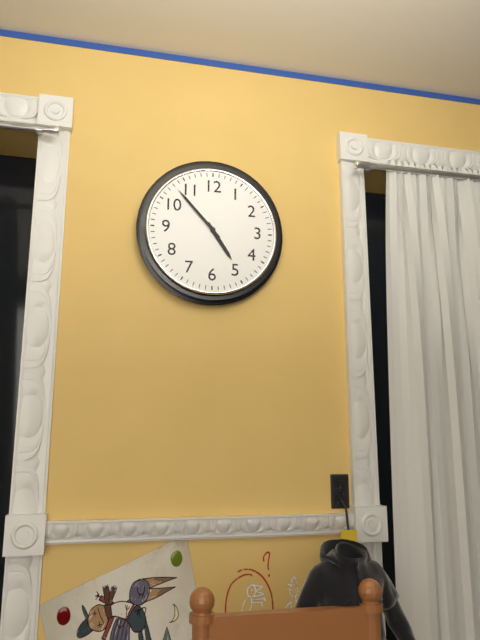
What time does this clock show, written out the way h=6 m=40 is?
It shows h=4 m=53
